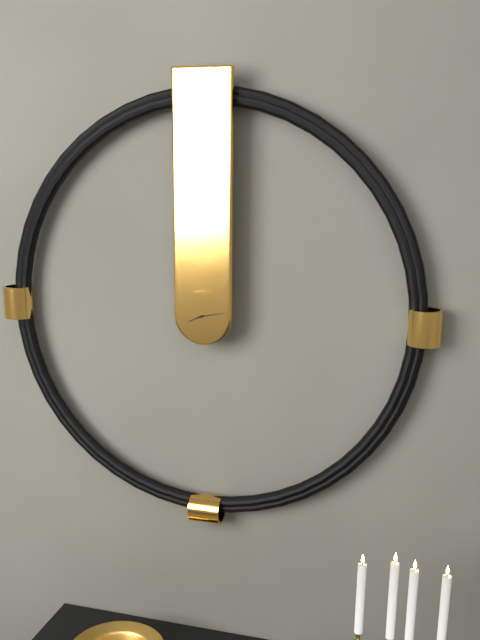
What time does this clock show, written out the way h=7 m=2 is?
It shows h=8 m=13
